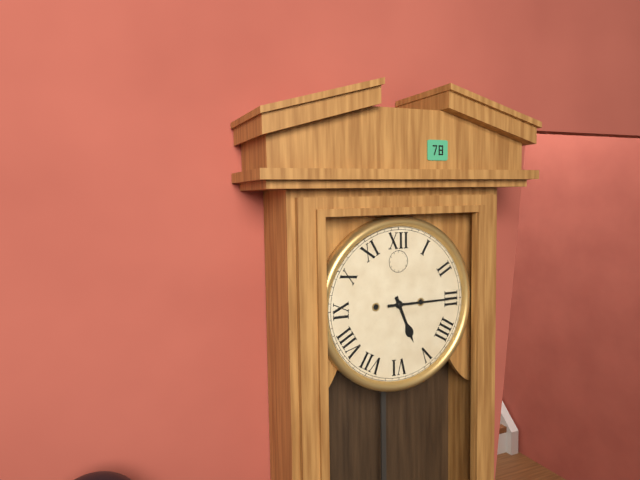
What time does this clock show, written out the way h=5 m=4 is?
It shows h=5 m=15
